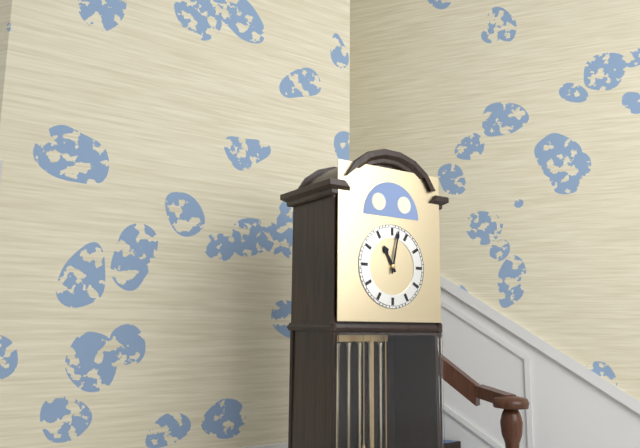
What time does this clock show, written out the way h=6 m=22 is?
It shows h=11 m=2
